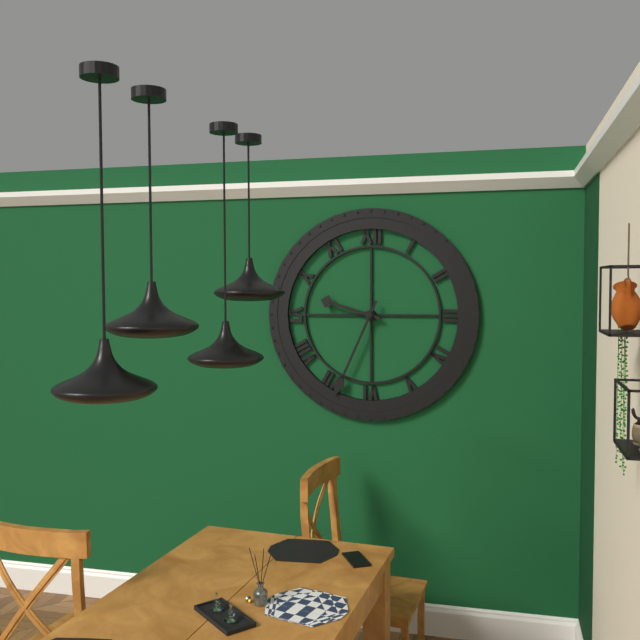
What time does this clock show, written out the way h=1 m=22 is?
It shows h=9 m=34
